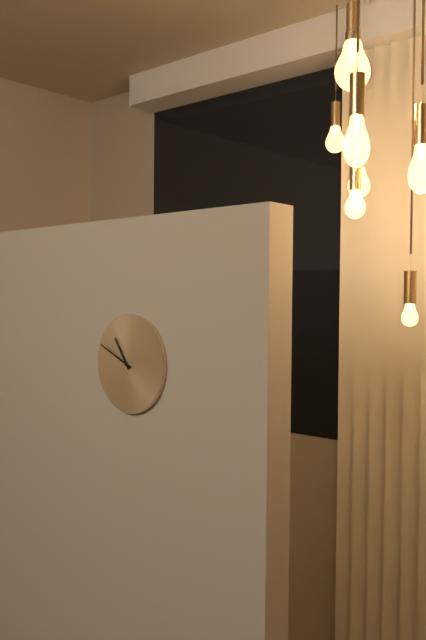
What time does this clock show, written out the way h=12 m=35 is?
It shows h=10 m=49
